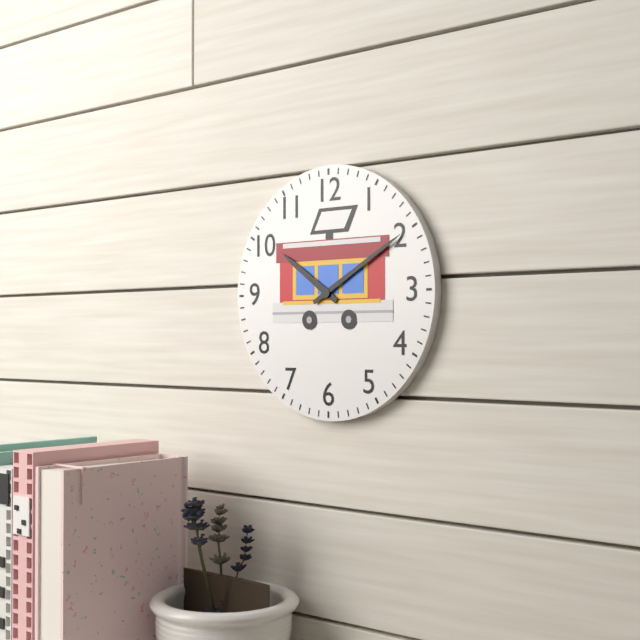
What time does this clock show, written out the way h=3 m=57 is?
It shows h=10 m=10
